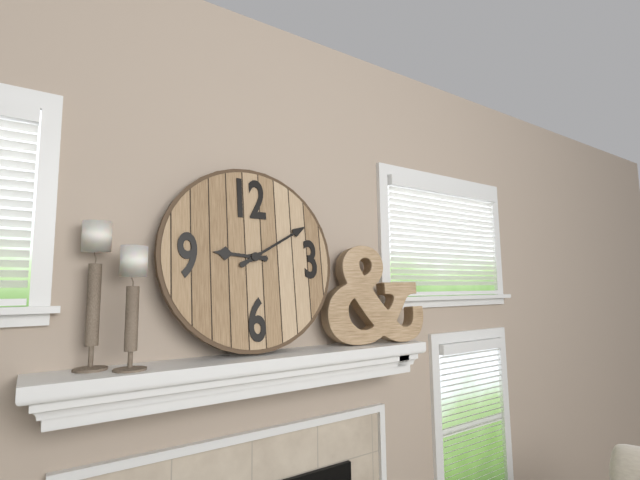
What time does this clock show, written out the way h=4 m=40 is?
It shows h=9 m=10
